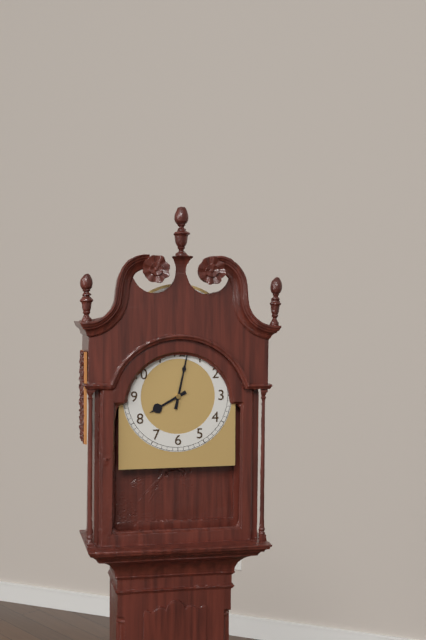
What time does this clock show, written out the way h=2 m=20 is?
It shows h=8 m=2
